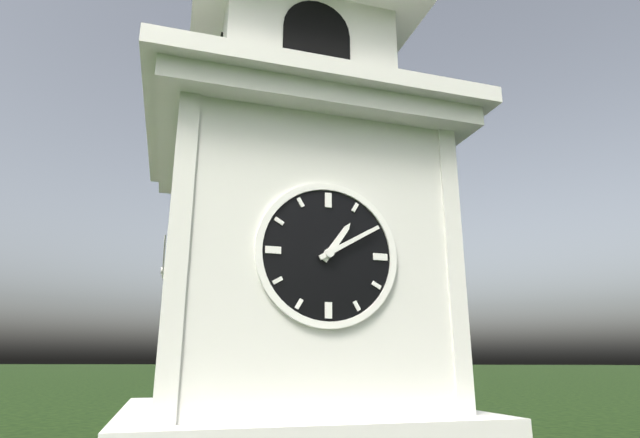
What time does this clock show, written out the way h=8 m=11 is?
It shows h=1 m=10
